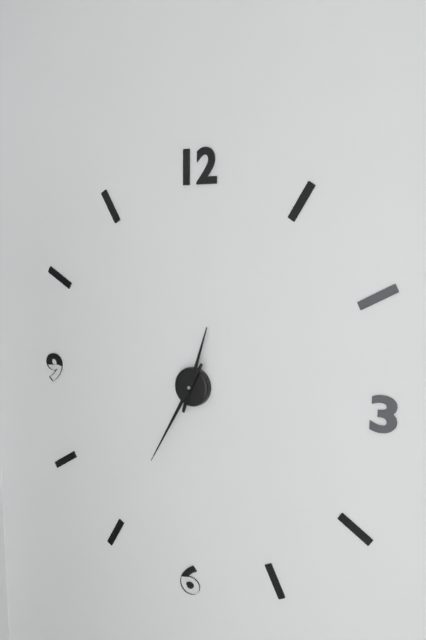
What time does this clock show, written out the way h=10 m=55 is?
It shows h=12 m=35
